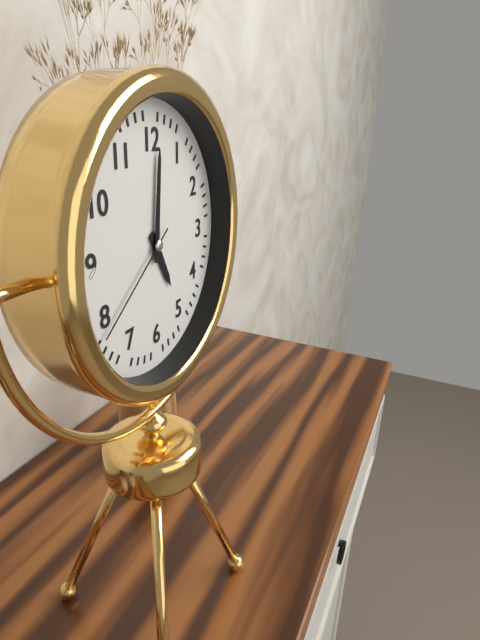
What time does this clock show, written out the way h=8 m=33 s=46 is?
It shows h=5 m=1 s=39
